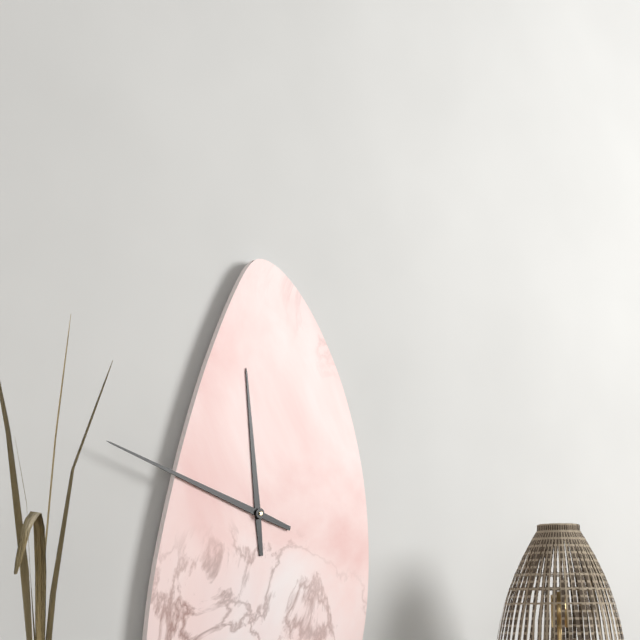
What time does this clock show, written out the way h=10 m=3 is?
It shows h=11 m=48
